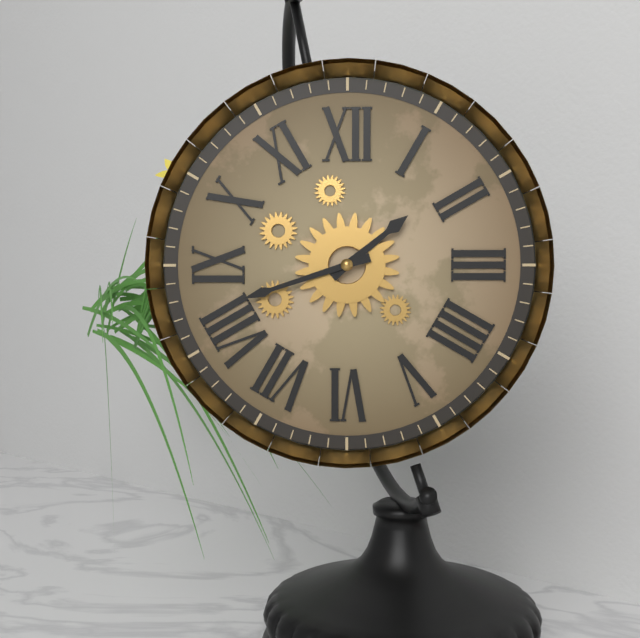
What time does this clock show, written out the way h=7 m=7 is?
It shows h=1 m=42
